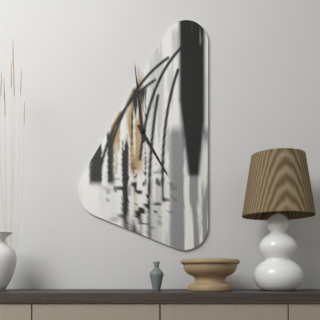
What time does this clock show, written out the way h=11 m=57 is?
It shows h=4 m=59
